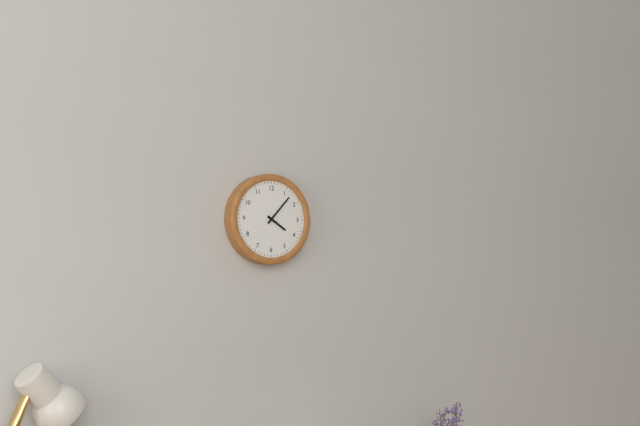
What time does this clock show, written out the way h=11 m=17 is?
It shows h=4 m=7
